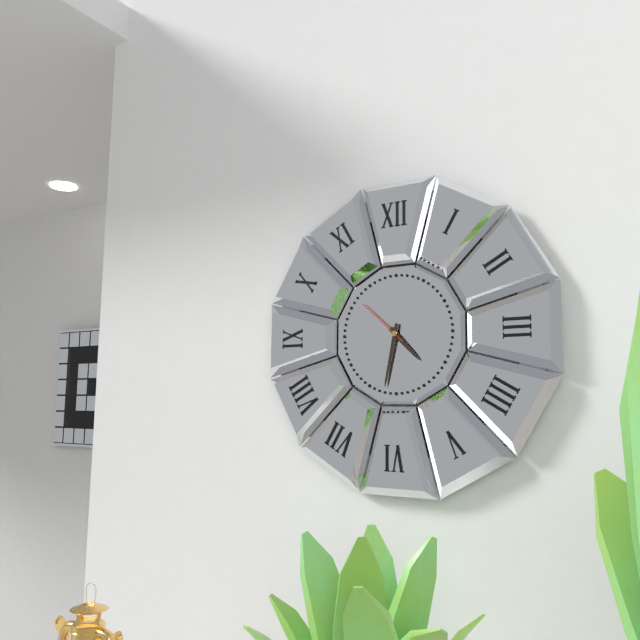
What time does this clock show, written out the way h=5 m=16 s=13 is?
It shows h=4 m=32 s=52
